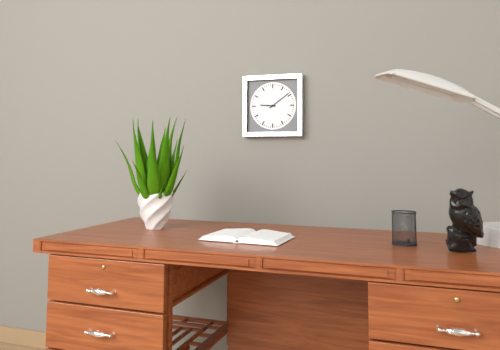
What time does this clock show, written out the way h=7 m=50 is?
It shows h=9 m=9
